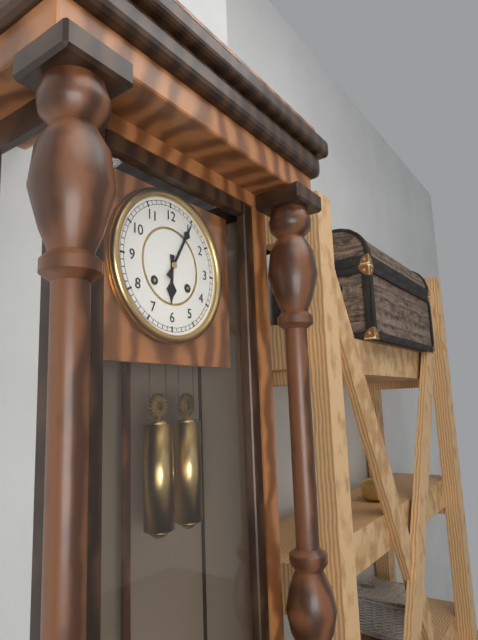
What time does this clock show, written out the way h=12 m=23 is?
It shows h=6 m=5
